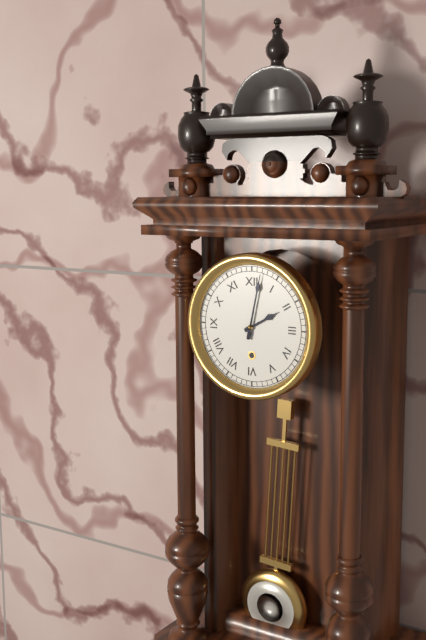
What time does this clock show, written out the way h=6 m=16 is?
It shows h=2 m=2
